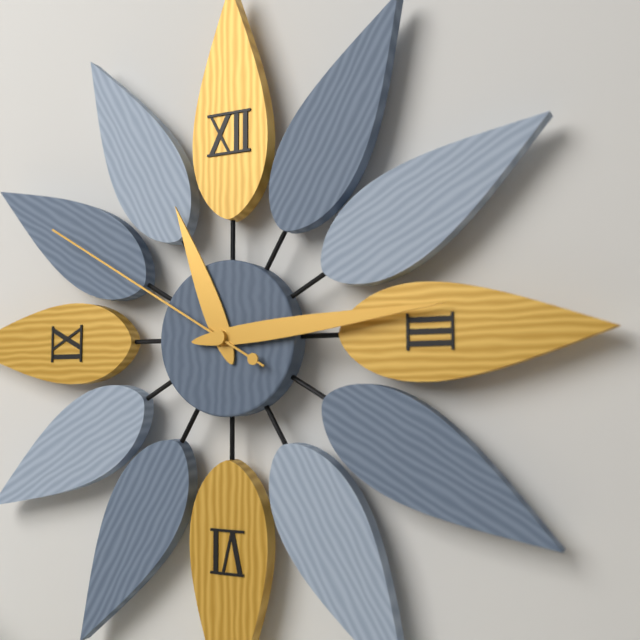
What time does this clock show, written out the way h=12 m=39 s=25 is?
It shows h=11 m=14 s=50
